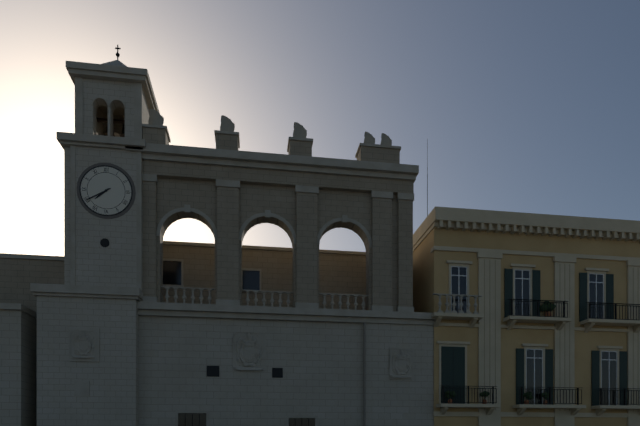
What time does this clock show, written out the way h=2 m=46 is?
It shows h=7 m=40
